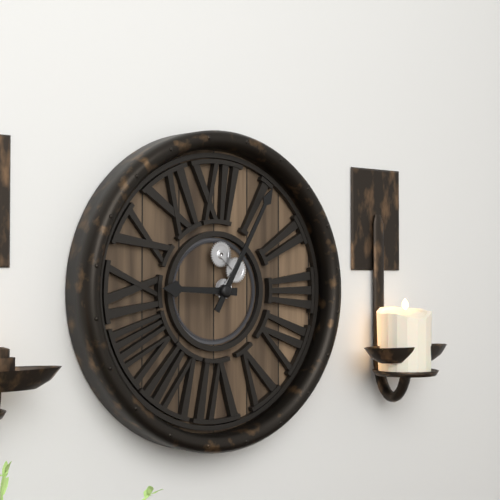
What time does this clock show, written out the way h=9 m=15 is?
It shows h=9 m=5
